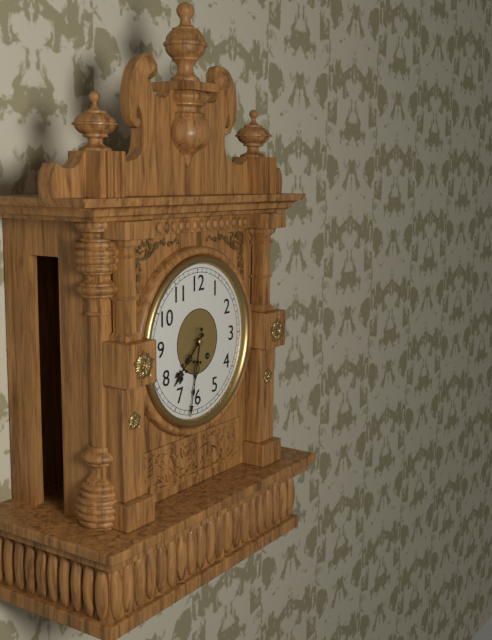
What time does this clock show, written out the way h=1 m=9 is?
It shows h=7 m=32
